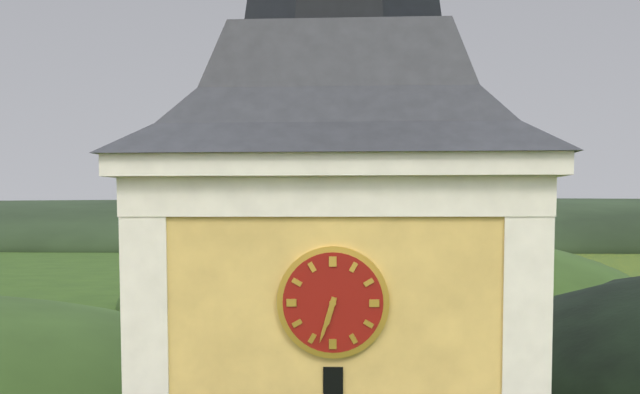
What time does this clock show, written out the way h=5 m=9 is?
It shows h=6 m=33
